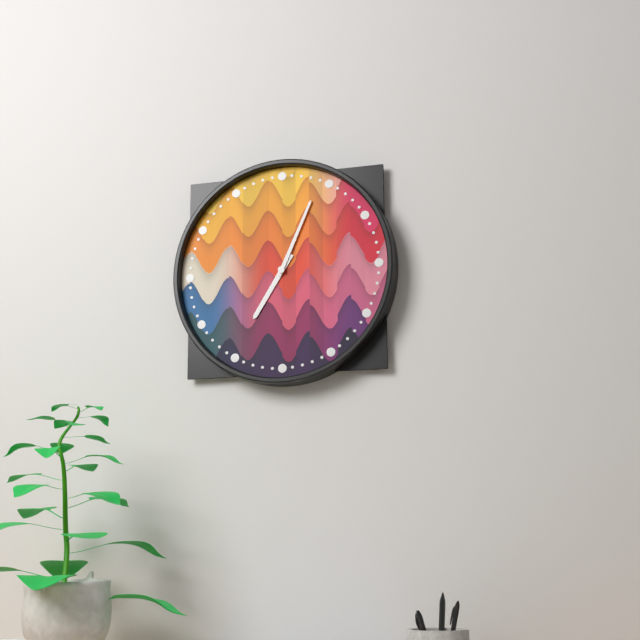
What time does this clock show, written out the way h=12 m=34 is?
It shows h=7 m=4
